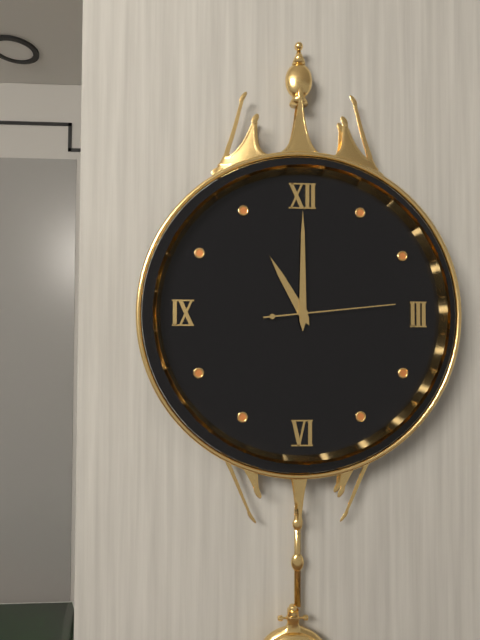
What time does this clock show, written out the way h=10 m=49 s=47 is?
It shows h=11 m=0 s=14
